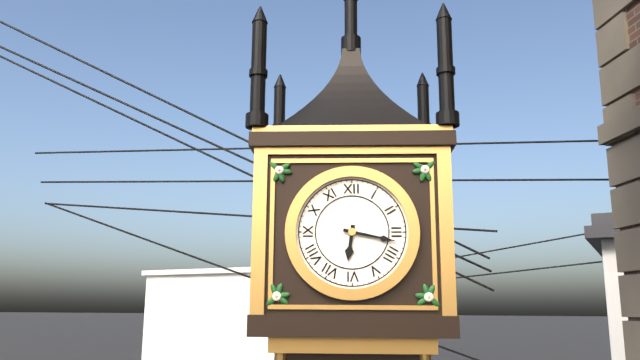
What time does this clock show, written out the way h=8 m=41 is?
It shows h=6 m=17
